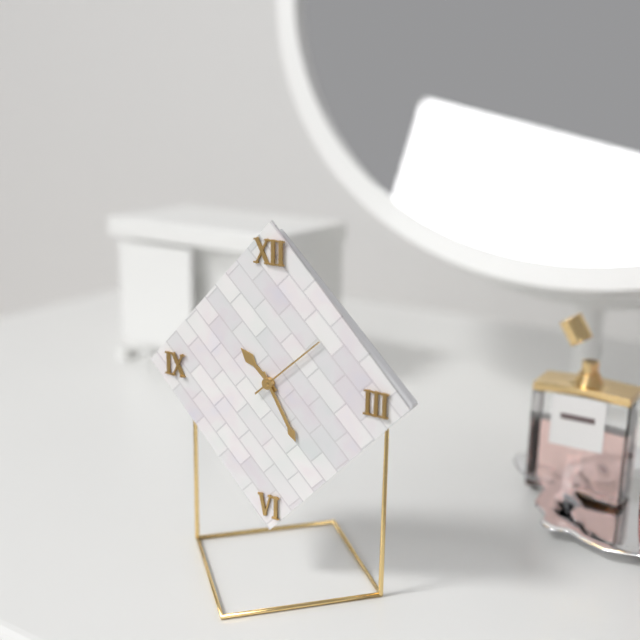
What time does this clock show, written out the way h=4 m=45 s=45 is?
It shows h=10 m=25 s=8
